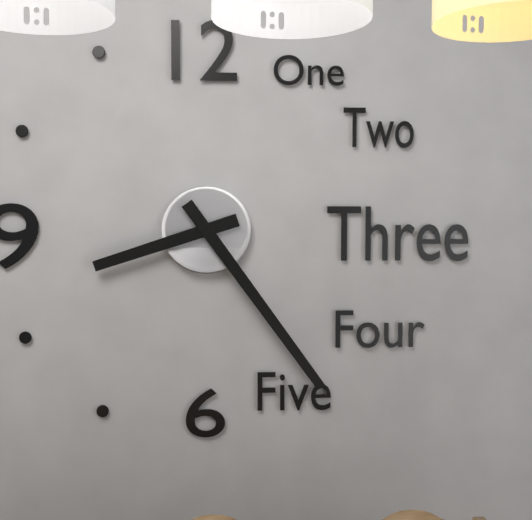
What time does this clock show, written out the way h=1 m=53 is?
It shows h=8 m=24
